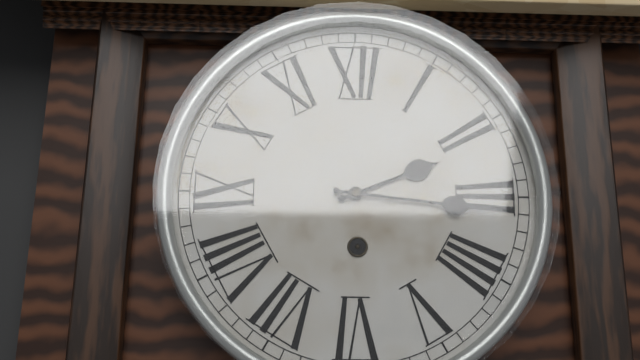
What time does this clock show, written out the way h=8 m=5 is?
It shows h=2 m=16
